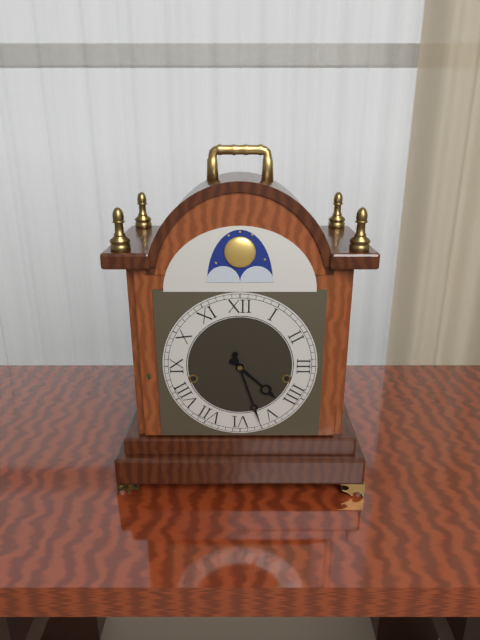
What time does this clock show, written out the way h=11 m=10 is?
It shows h=4 m=27
